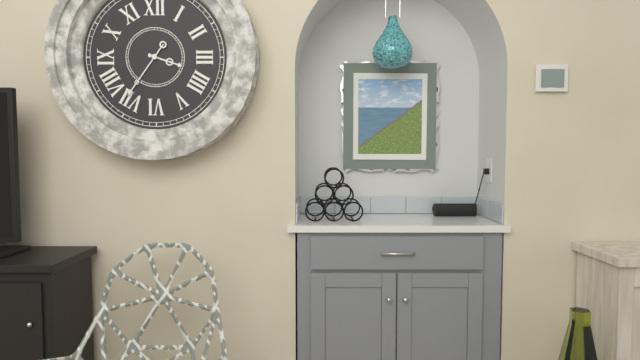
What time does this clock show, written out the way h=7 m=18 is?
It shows h=3 m=36
